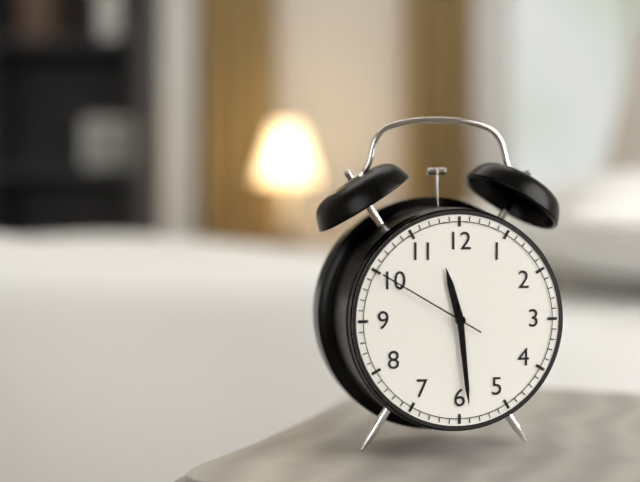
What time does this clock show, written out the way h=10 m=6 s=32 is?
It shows h=11 m=29 s=50
